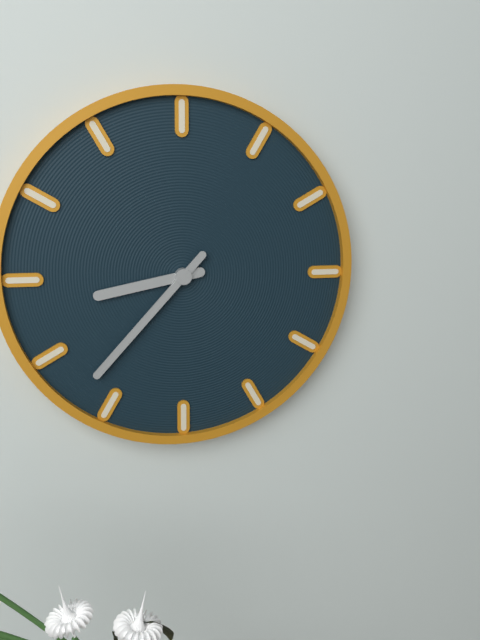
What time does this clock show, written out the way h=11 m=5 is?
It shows h=8 m=37
